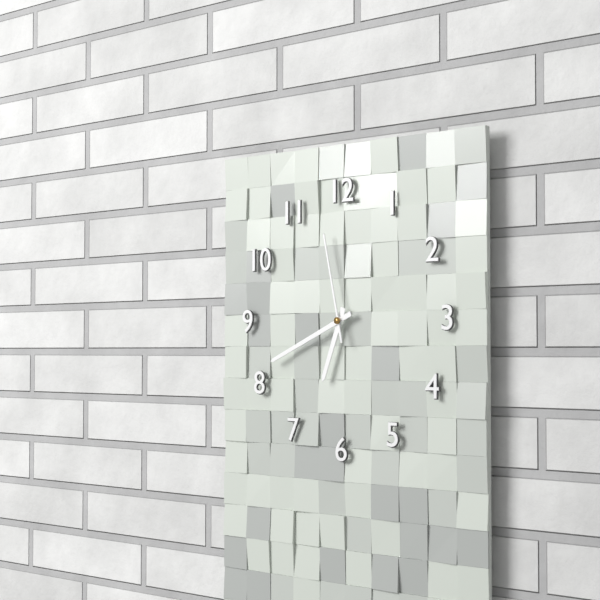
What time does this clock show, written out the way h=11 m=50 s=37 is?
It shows h=6 m=41 s=58
